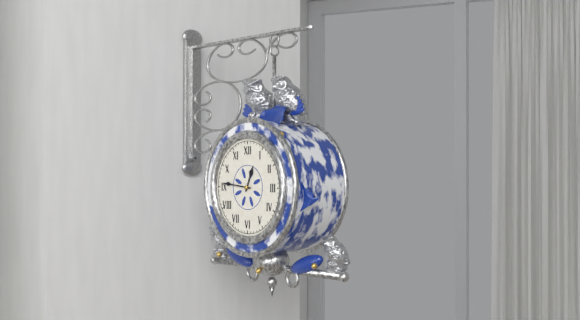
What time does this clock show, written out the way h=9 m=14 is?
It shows h=12 m=46
